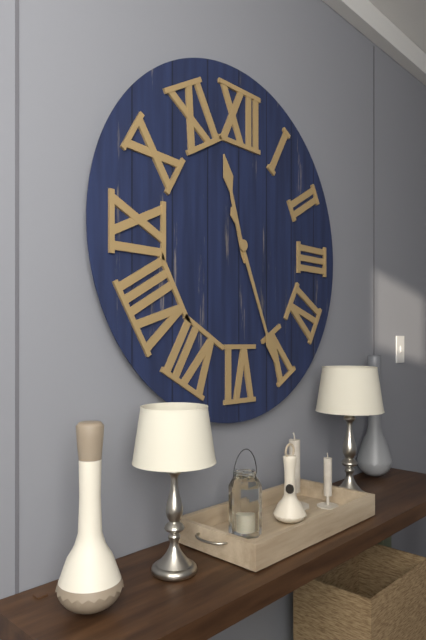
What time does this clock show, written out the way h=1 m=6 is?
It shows h=11 m=26
